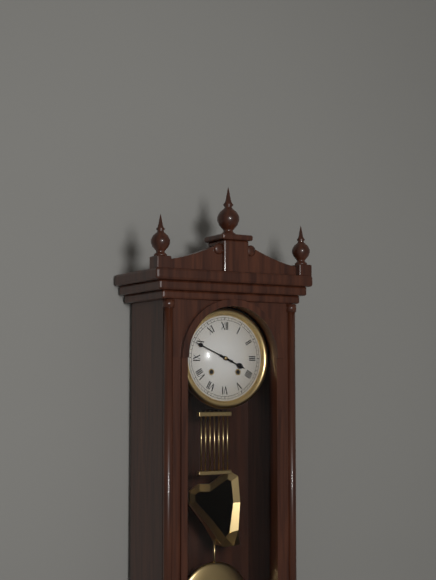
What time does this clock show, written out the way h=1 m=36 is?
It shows h=3 m=49
